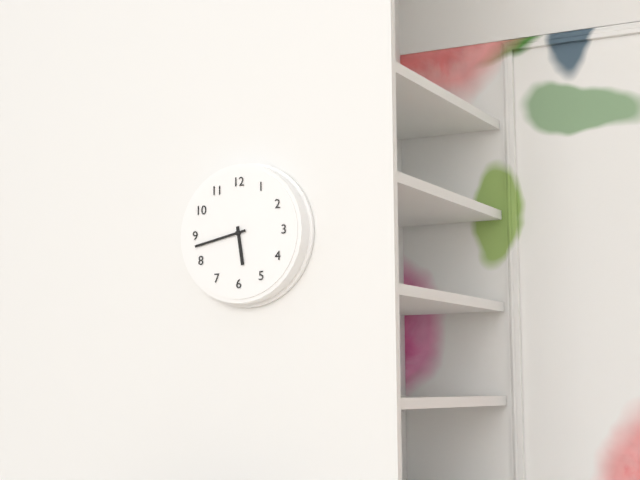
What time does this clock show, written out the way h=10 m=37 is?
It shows h=5 m=43
